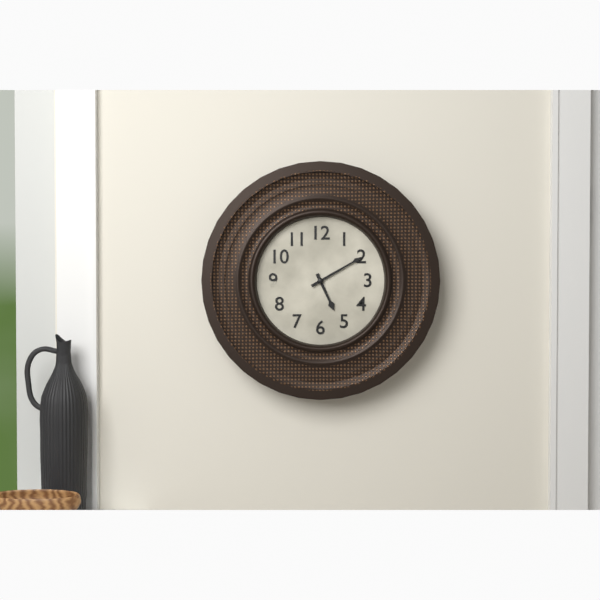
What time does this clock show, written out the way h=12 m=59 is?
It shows h=5 m=10
